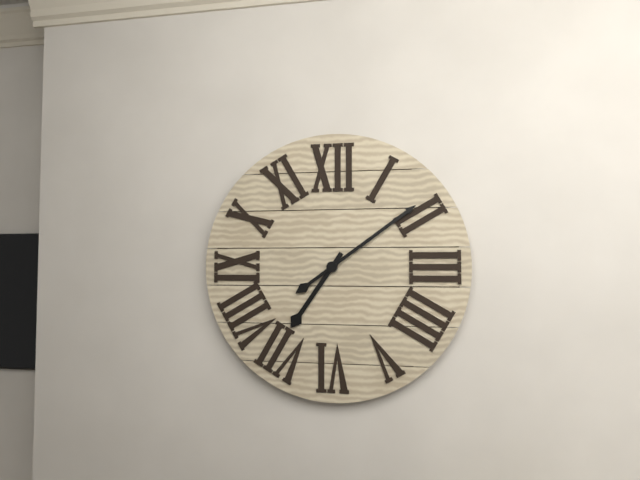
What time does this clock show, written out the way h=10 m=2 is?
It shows h=7 m=9
